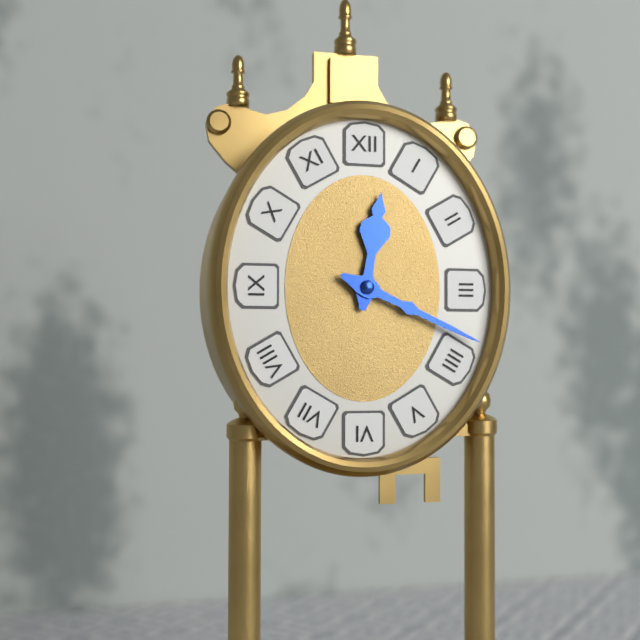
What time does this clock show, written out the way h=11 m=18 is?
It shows h=12 m=19
